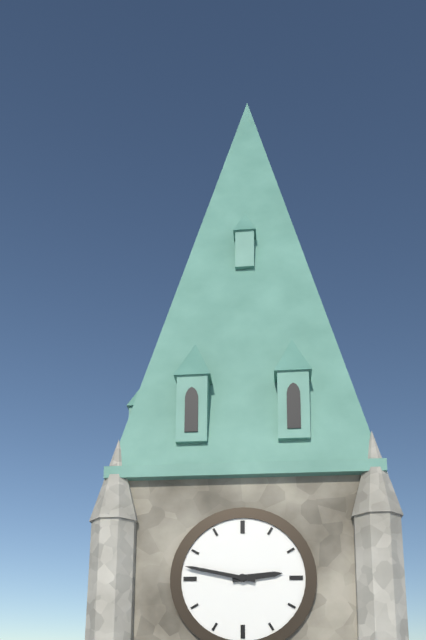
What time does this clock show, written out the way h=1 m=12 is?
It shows h=2 m=47
